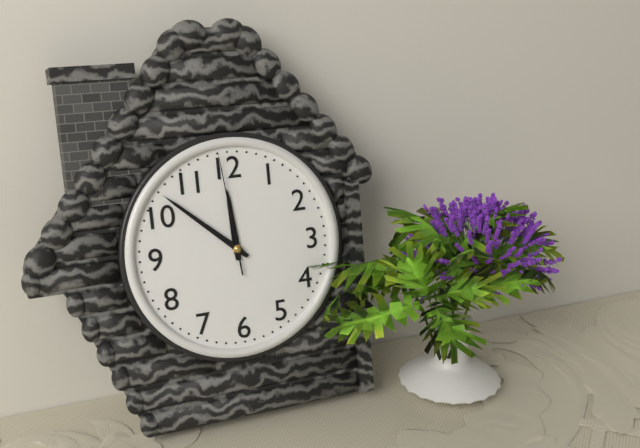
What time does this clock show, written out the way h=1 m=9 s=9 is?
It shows h=11 m=52 s=59
